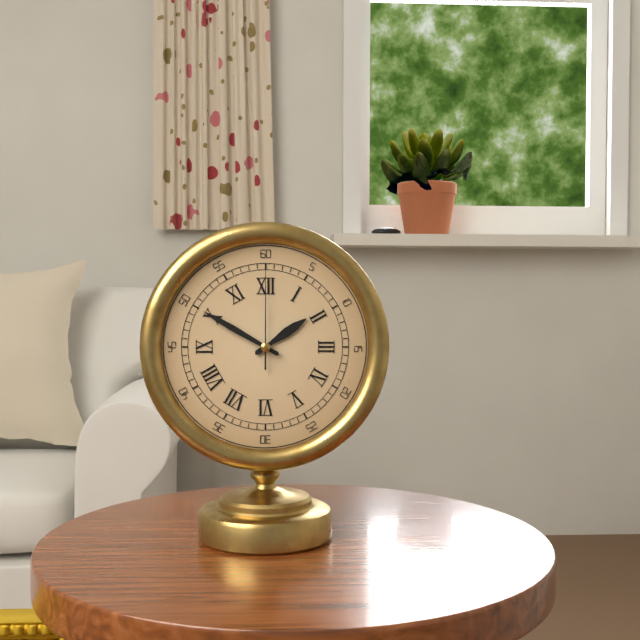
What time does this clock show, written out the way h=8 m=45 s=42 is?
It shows h=1 m=50 s=0
